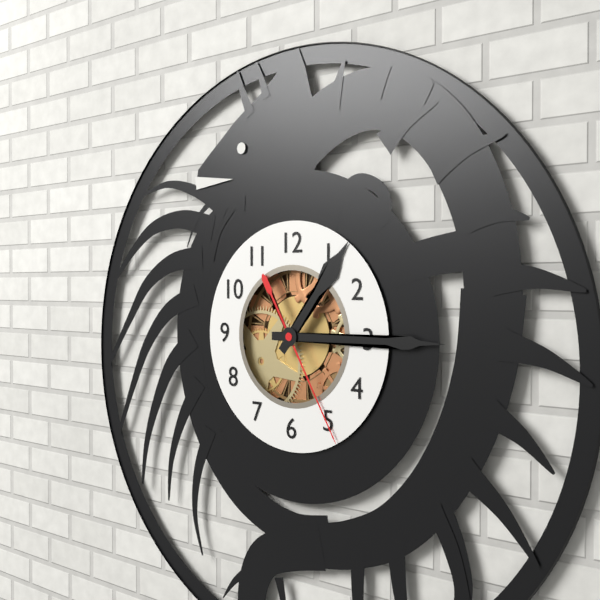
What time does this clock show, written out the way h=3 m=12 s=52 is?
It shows h=1 m=15 s=25
